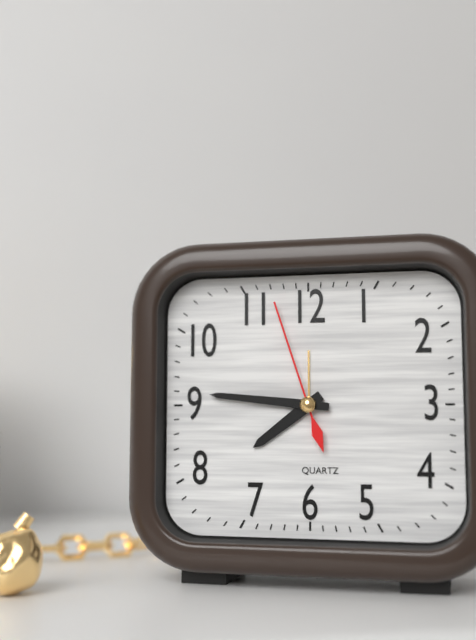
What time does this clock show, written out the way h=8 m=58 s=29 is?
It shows h=7 m=46 s=57
